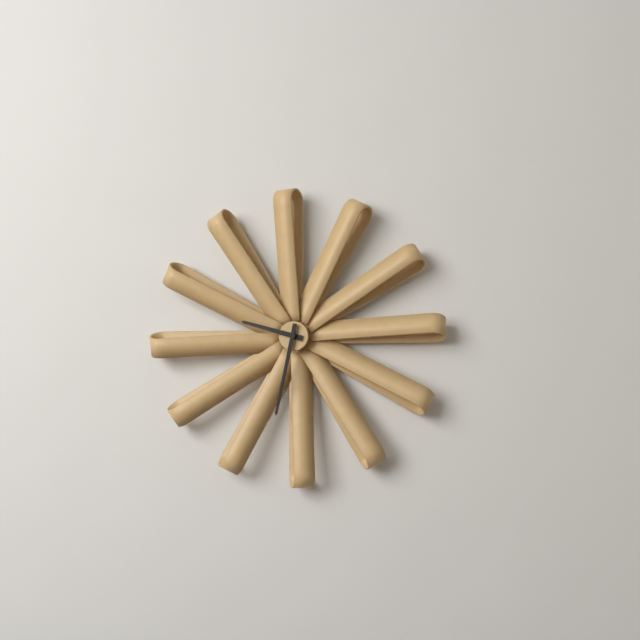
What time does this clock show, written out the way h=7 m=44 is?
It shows h=9 m=32
